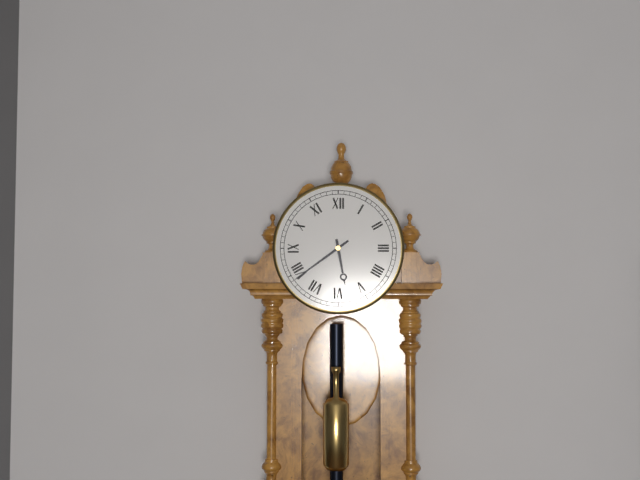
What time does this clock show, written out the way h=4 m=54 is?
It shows h=5 m=39
